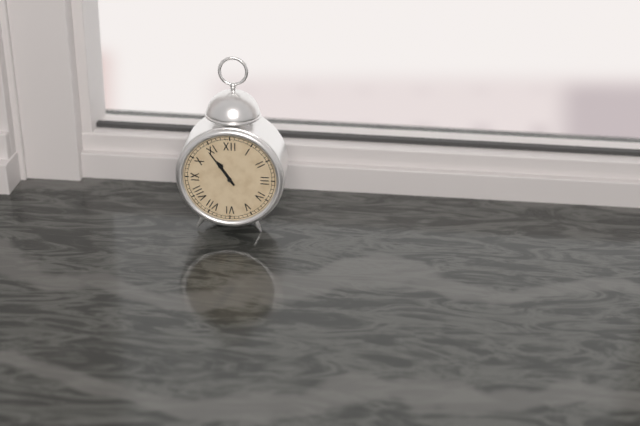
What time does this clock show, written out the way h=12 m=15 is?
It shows h=10 m=54
